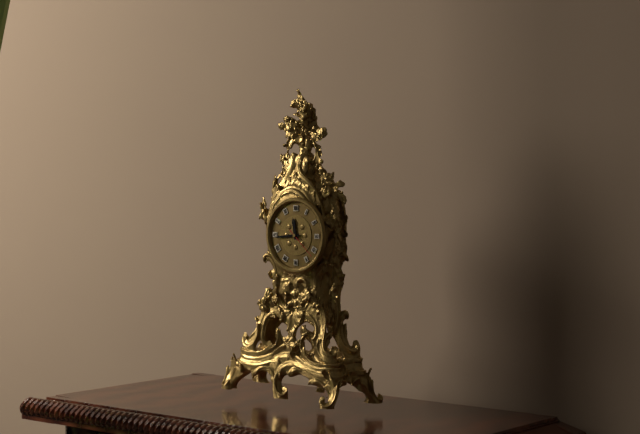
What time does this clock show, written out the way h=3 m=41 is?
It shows h=11 m=44
